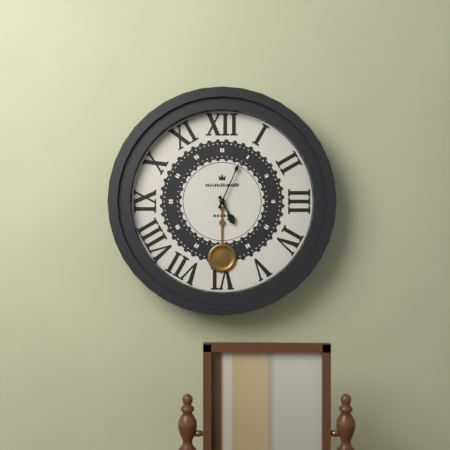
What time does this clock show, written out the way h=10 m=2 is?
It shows h=5 m=4
